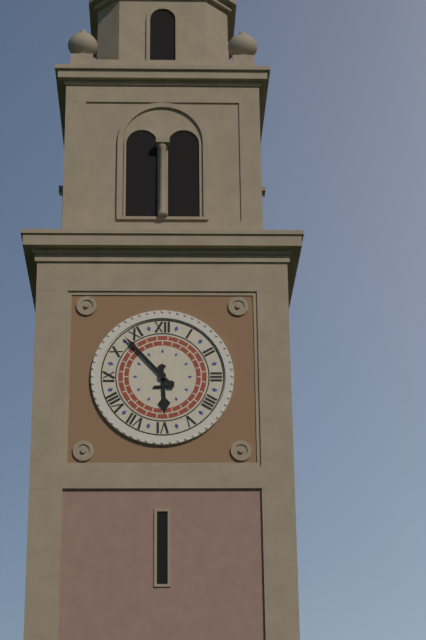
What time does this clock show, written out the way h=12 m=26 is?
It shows h=5 m=53
